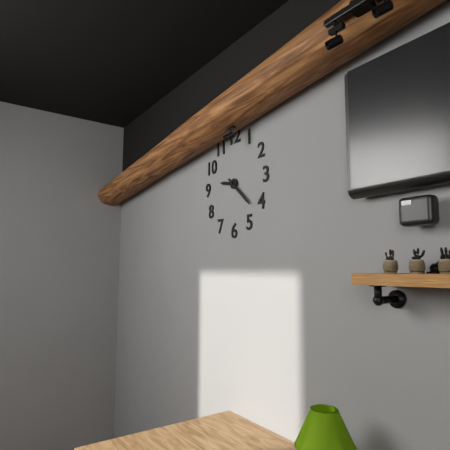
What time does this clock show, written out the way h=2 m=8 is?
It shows h=9 m=22
